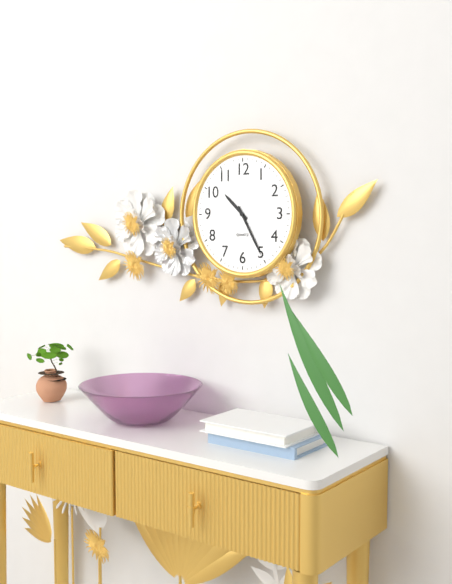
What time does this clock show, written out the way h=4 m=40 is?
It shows h=10 m=25
